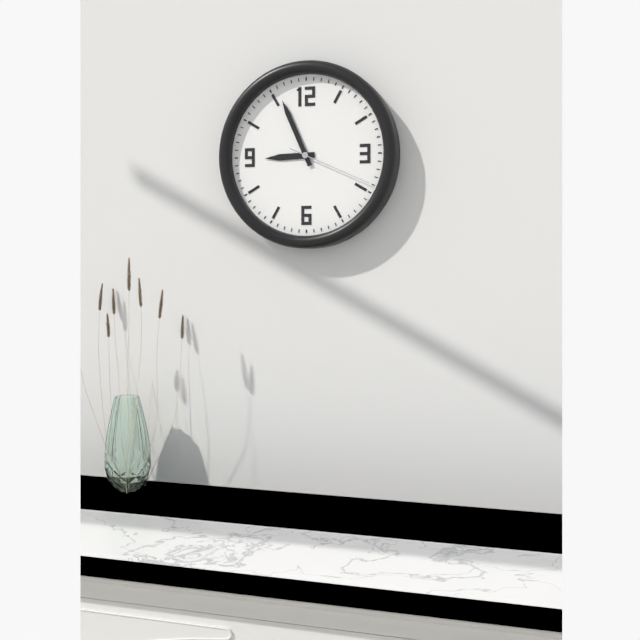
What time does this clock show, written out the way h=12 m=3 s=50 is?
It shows h=8 m=56 s=19
